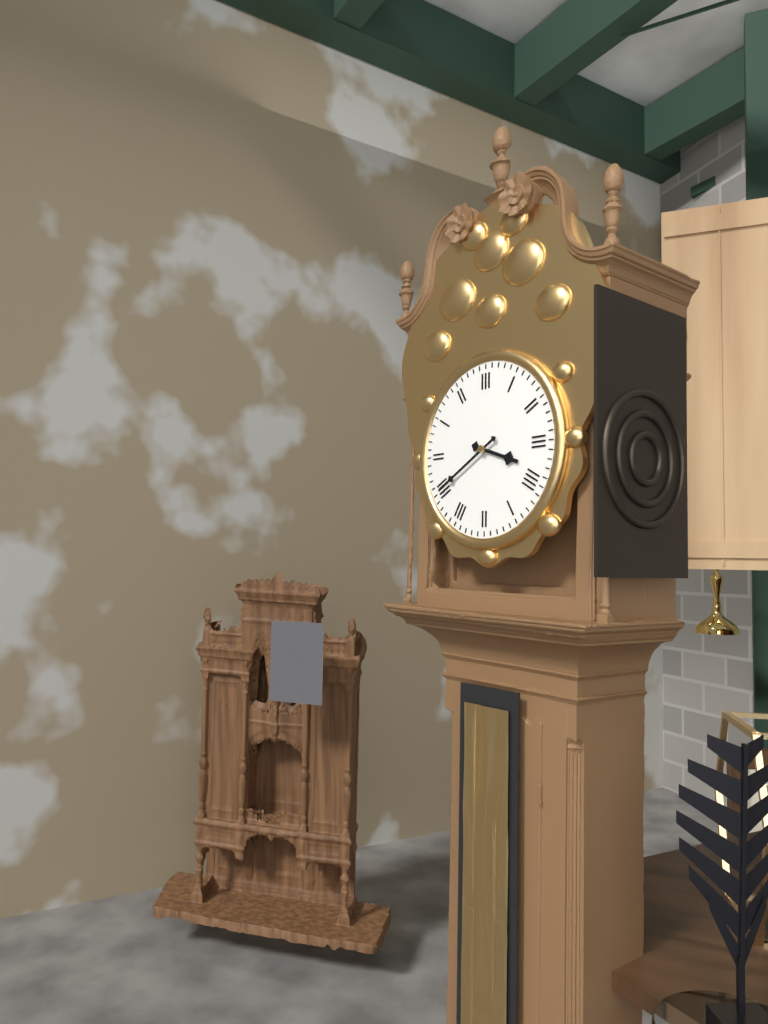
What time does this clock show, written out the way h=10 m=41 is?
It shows h=3 m=40
